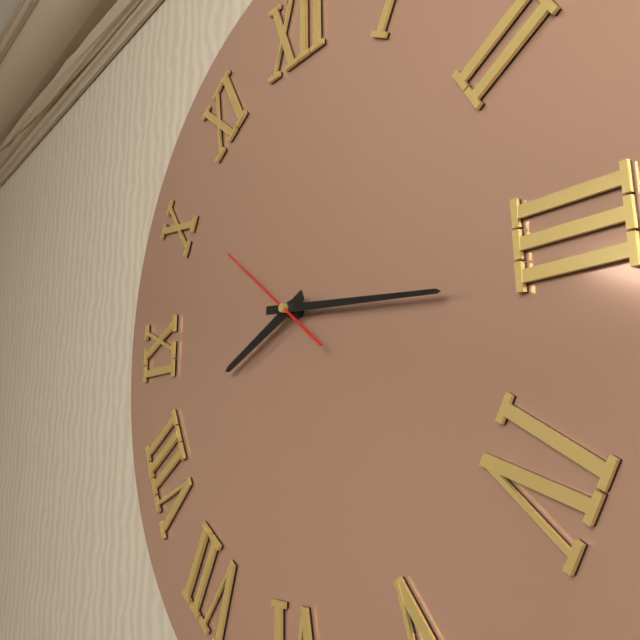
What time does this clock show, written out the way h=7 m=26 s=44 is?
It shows h=8 m=16 s=51
